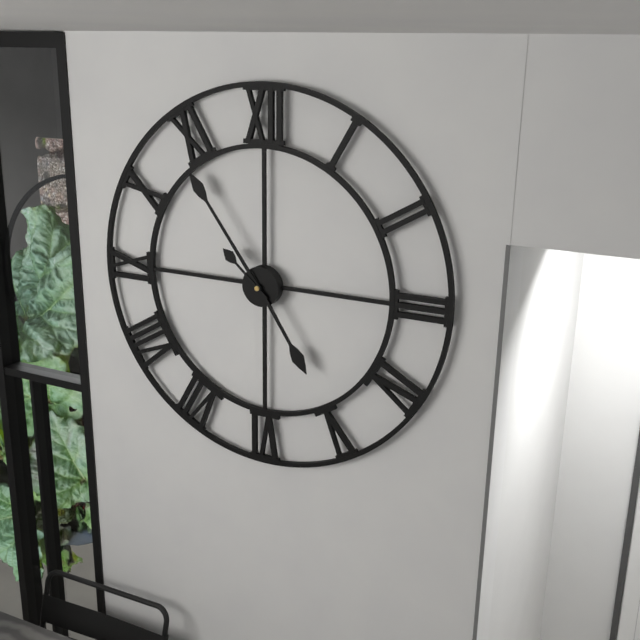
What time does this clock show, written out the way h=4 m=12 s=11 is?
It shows h=4 m=54 s=52
